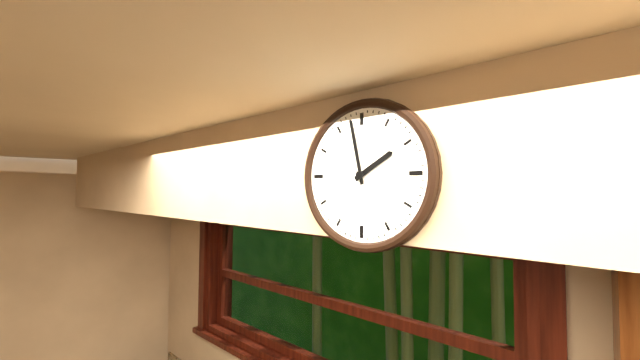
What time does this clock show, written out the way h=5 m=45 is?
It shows h=1 m=58
